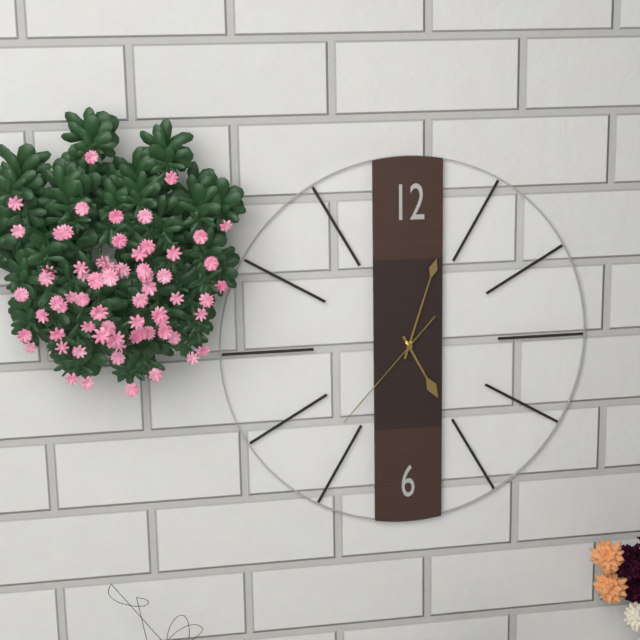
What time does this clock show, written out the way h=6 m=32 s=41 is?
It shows h=5 m=3 s=37
